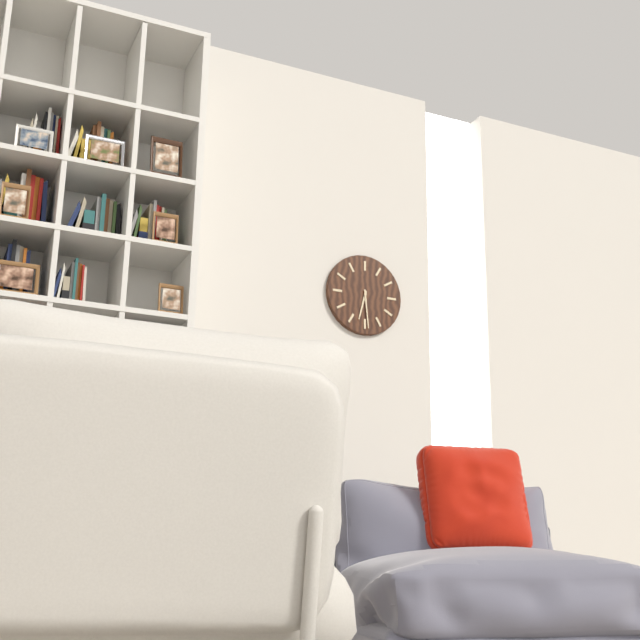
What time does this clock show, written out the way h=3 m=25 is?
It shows h=6 m=29
